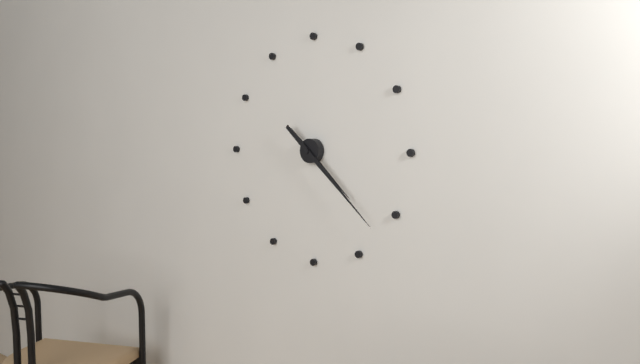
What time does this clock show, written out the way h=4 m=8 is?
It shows h=4 m=22
